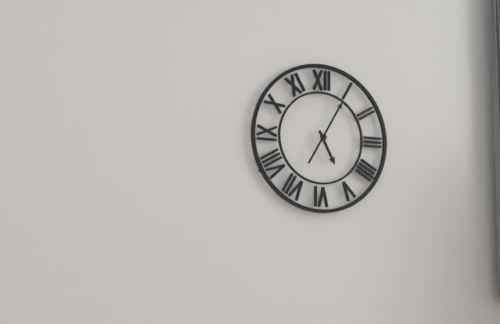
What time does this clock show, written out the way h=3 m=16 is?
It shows h=5 m=5
